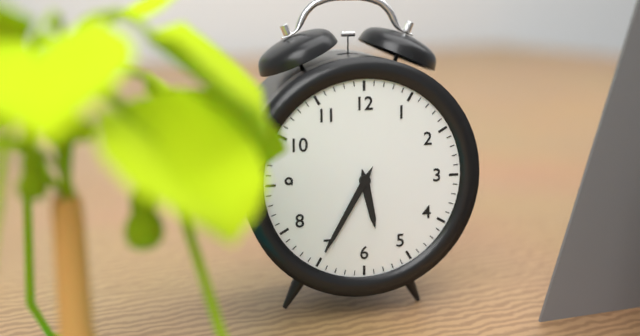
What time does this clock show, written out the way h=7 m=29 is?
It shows h=5 m=35
